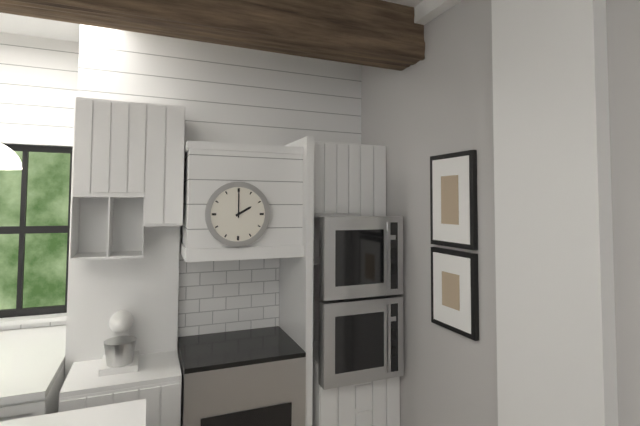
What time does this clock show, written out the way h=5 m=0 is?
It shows h=2 m=0
